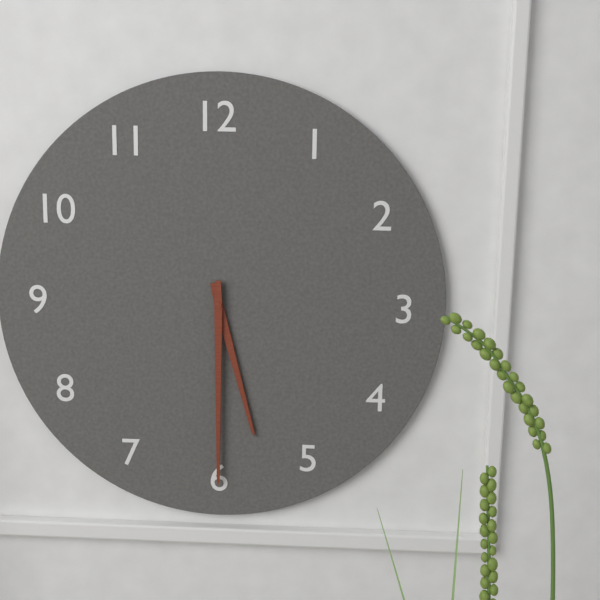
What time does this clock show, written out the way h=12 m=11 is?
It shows h=5 m=30
